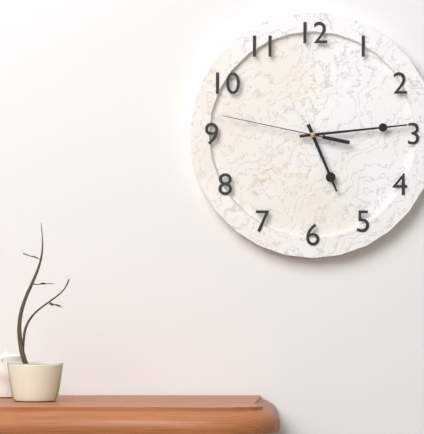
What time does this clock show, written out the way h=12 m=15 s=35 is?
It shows h=5 m=14 s=47
